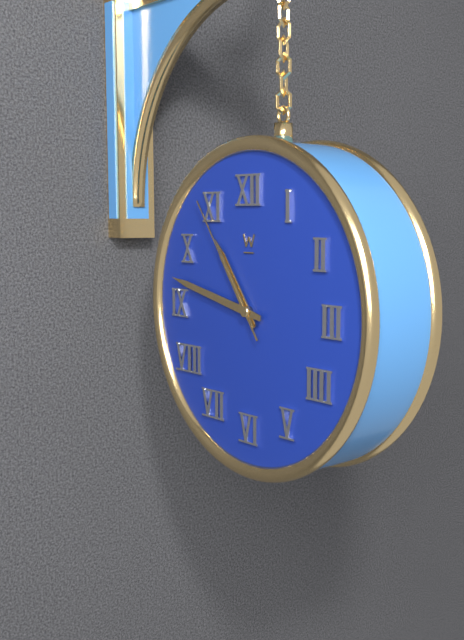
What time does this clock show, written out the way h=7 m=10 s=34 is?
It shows h=10 m=47 s=54
